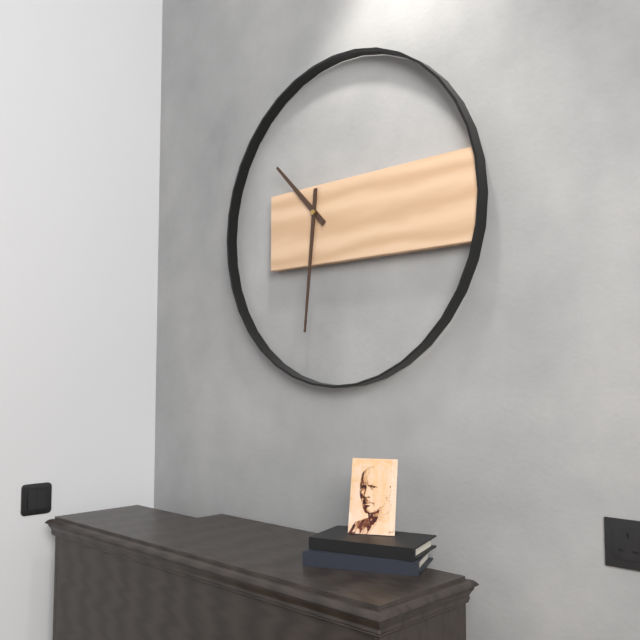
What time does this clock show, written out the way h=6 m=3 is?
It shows h=10 m=31
